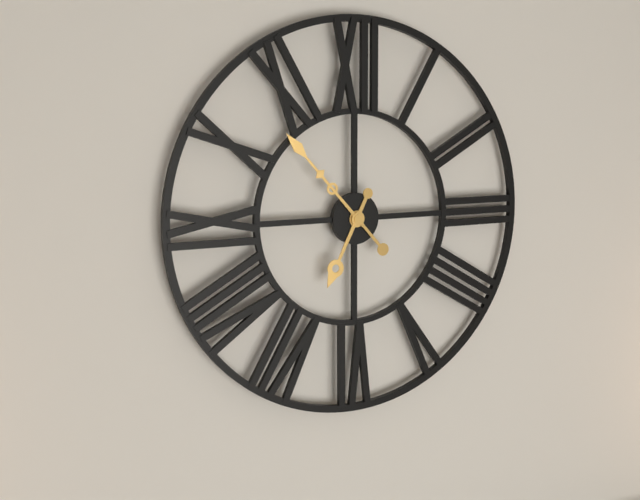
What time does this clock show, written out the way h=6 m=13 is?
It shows h=6 m=53
